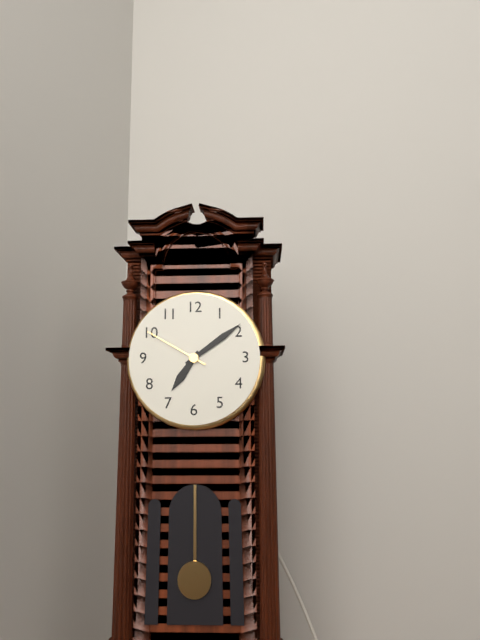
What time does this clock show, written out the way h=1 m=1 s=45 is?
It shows h=7 m=9 s=50
